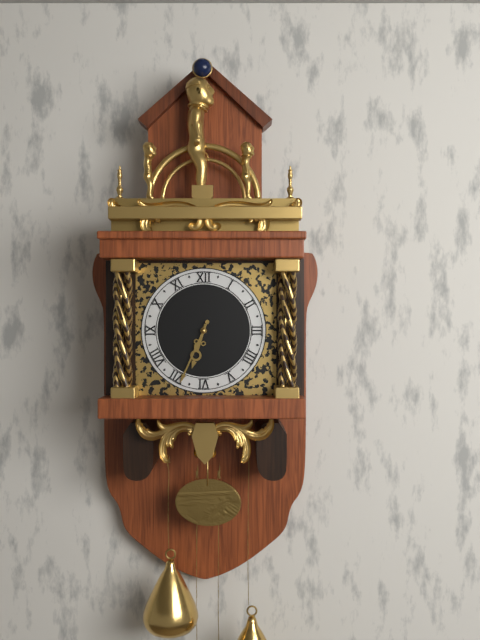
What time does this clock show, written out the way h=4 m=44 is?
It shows h=6 m=34
